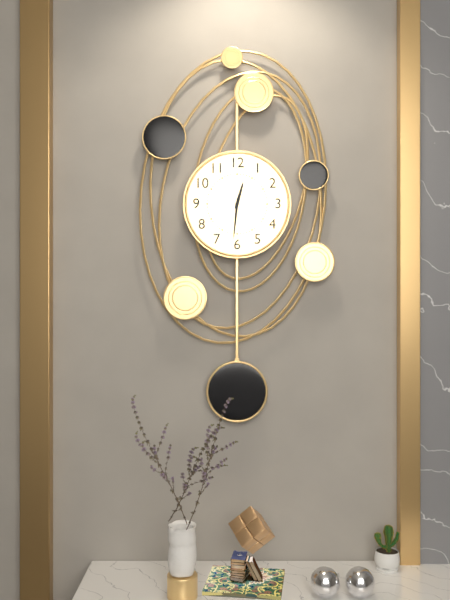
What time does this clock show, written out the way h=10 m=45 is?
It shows h=12 m=31
